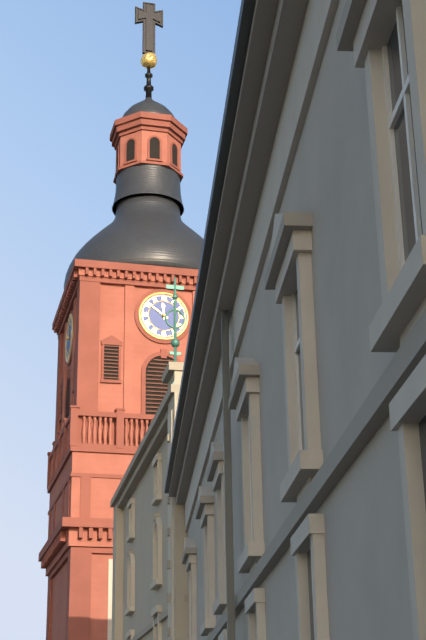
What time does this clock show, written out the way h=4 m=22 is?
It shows h=11 m=51
